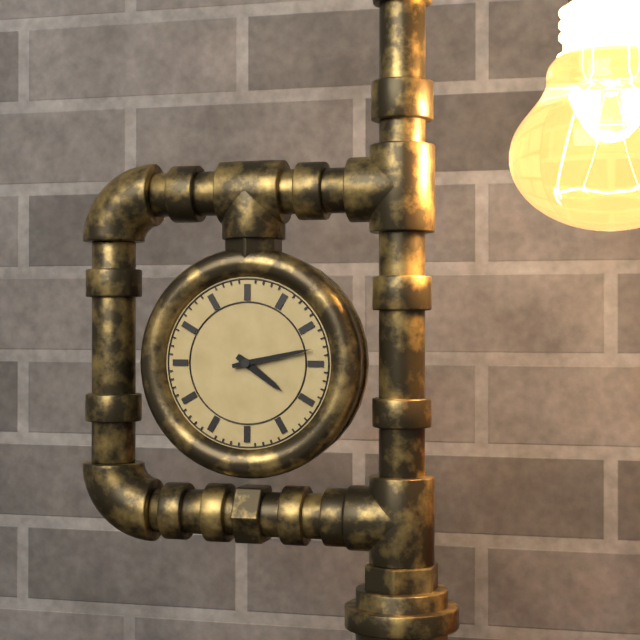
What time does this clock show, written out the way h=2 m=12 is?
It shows h=4 m=13
